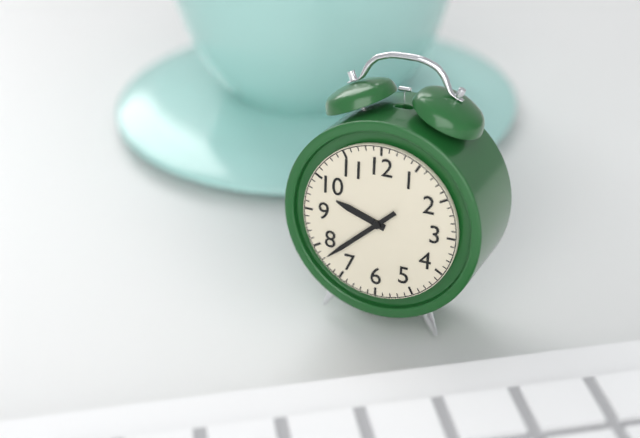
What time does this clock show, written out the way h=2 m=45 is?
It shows h=9 m=38
